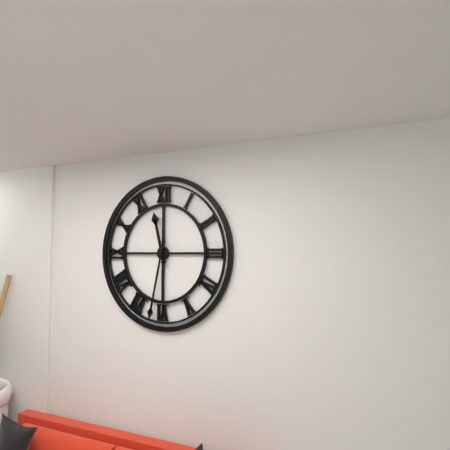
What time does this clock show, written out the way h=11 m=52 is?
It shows h=11 m=32
